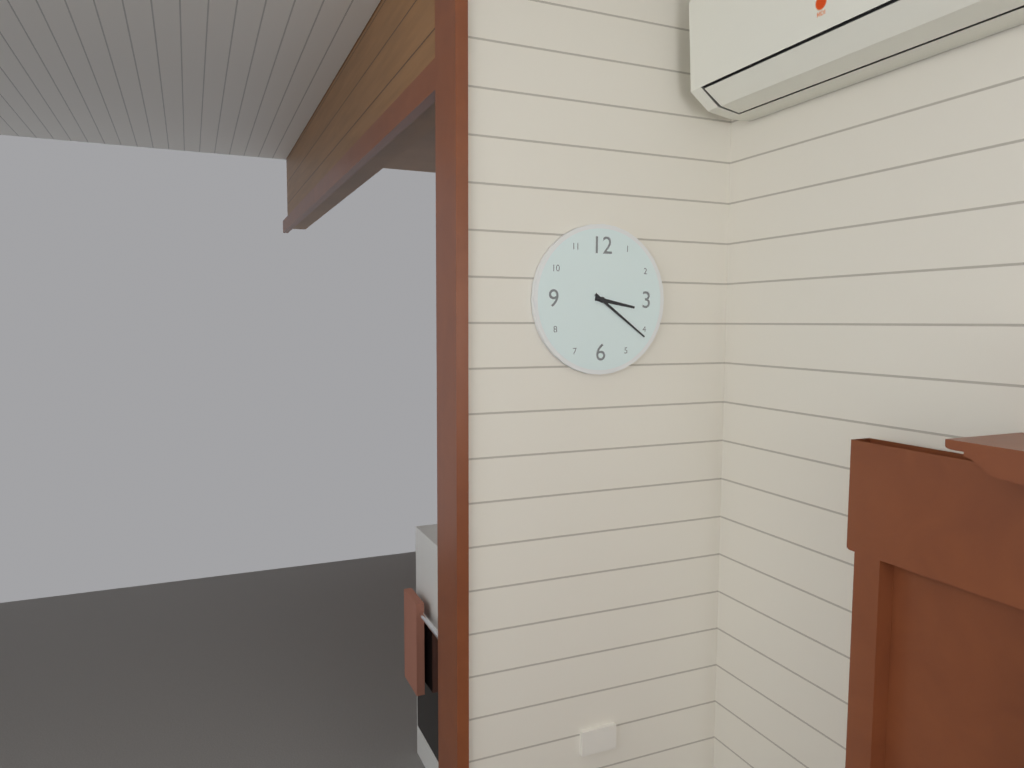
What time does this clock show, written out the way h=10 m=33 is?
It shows h=3 m=21
